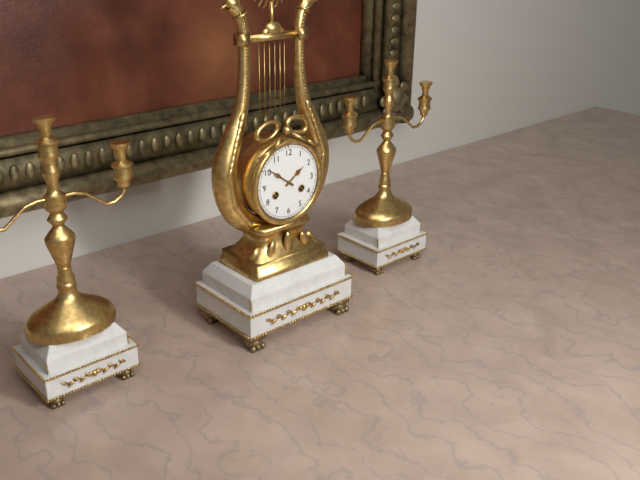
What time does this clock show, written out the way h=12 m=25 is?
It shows h=1 m=51
